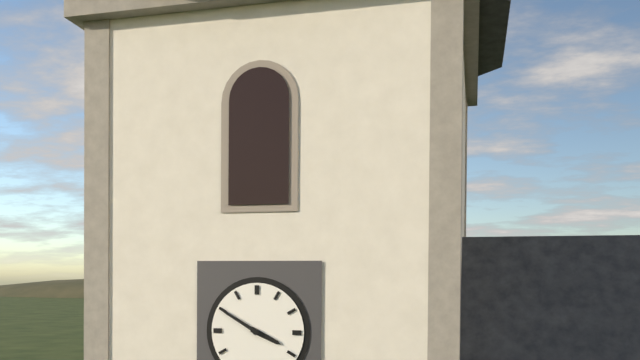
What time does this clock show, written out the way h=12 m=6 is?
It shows h=3 m=50
